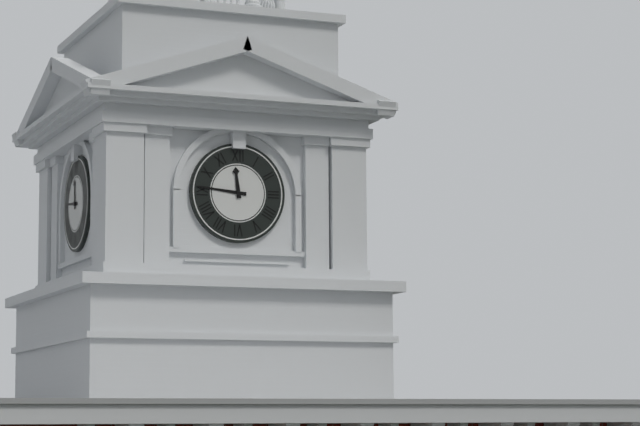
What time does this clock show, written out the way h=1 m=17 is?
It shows h=11 m=46
